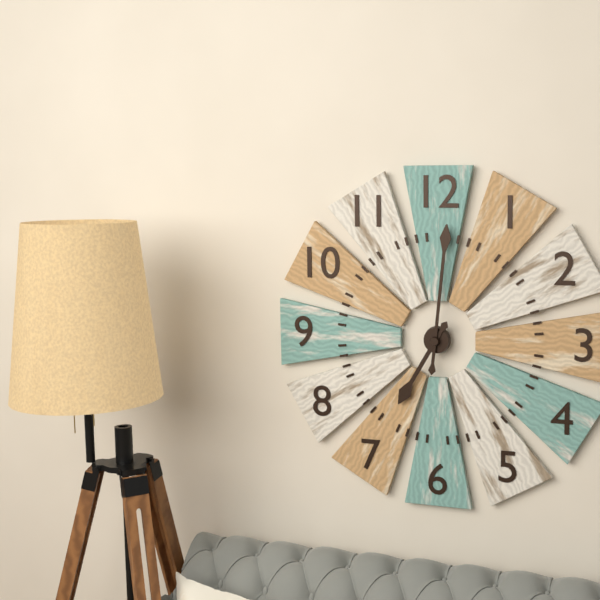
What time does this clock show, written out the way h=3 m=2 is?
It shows h=7 m=1
